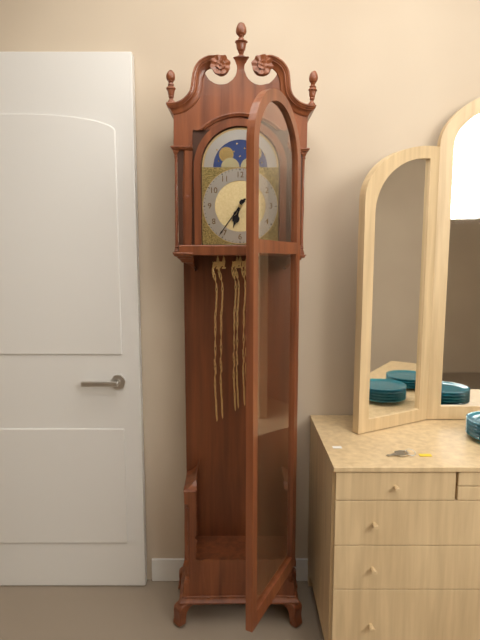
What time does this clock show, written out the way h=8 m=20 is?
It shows h=6 m=36
